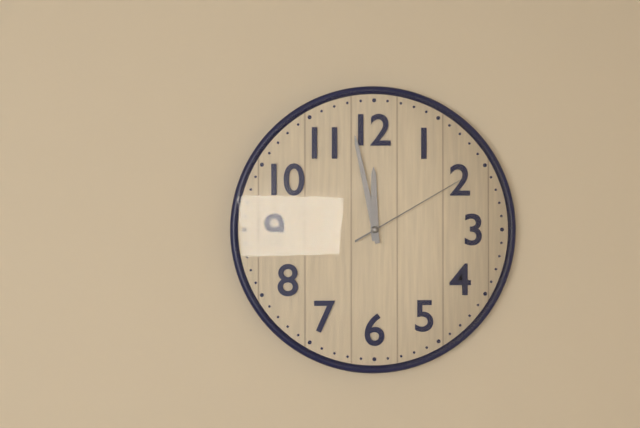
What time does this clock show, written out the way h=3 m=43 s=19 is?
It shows h=11 m=58 s=10
